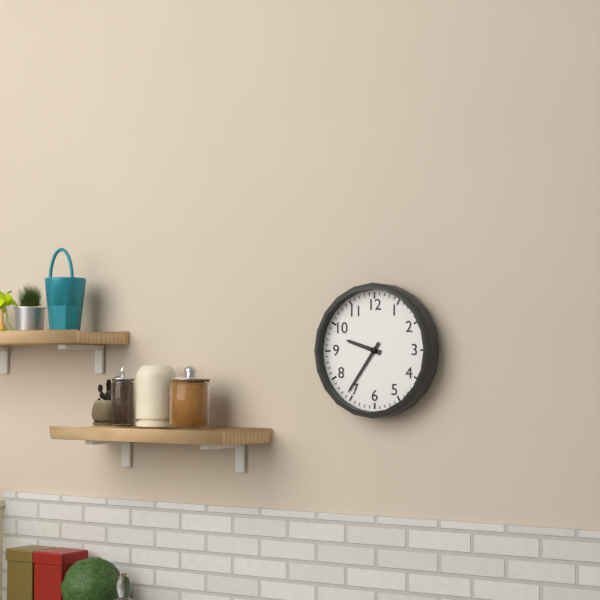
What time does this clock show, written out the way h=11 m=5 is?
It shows h=9 m=36
